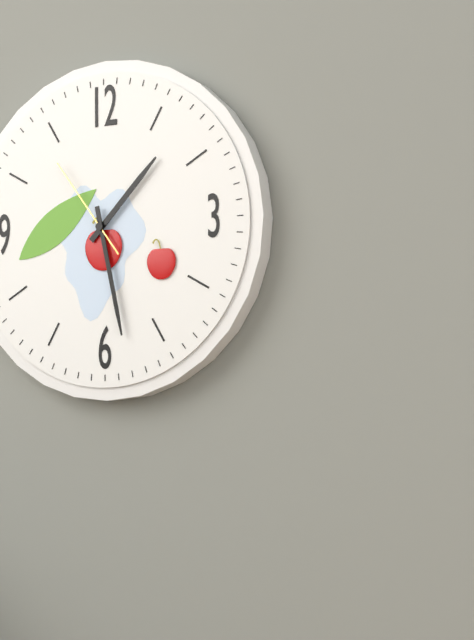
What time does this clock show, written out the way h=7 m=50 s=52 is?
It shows h=1 m=28 s=54
